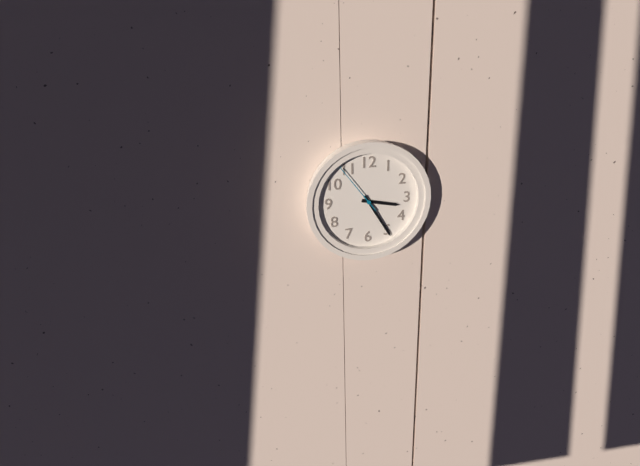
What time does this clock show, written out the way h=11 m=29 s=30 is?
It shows h=3 m=25 s=54
